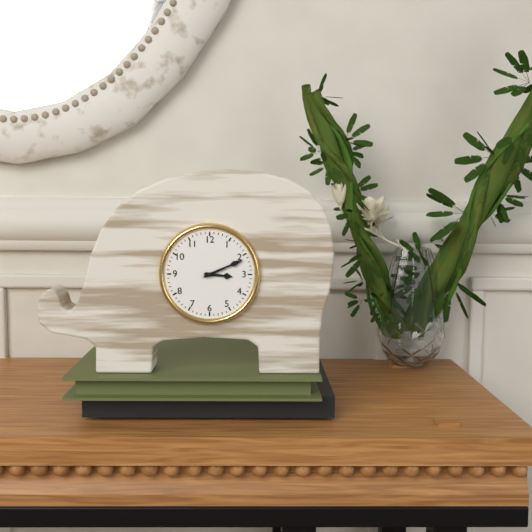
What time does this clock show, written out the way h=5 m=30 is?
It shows h=3 m=11
